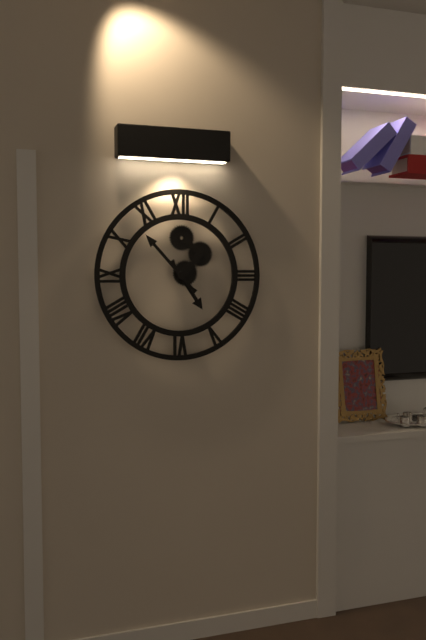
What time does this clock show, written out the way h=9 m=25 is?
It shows h=4 m=53
